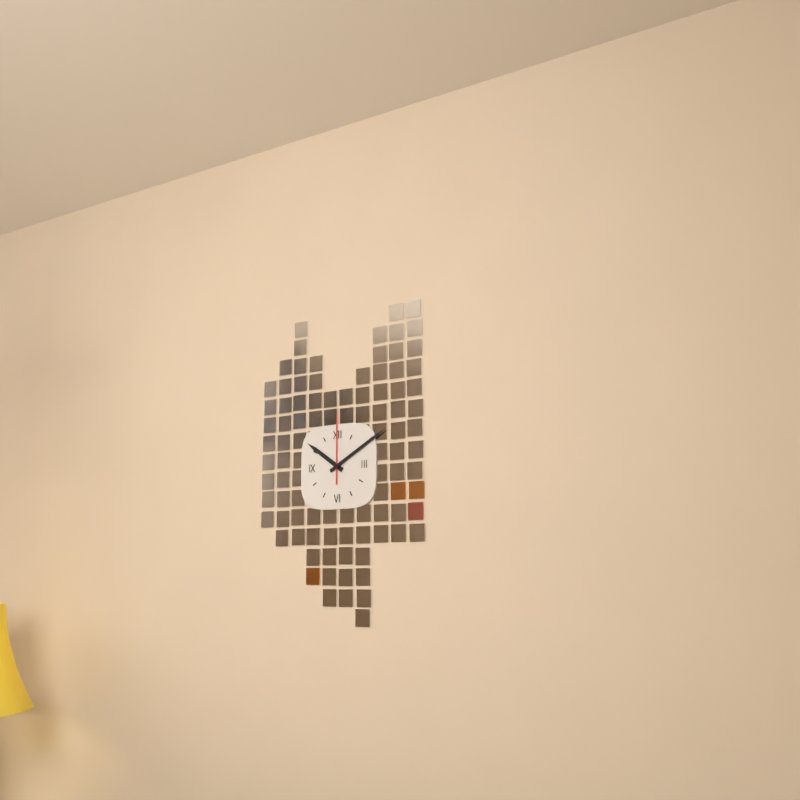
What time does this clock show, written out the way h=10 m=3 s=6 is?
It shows h=10 m=10 s=0
